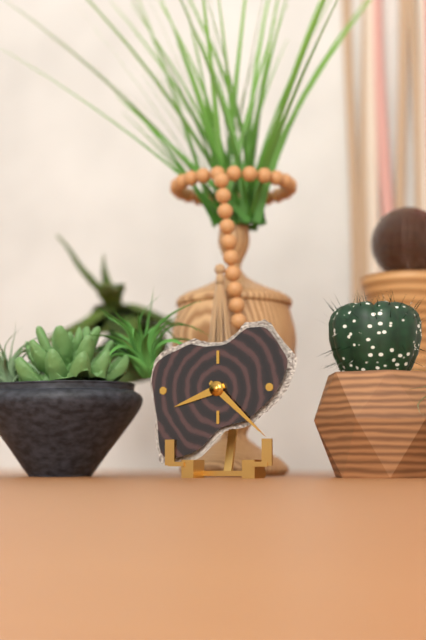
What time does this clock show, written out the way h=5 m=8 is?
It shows h=8 m=22
